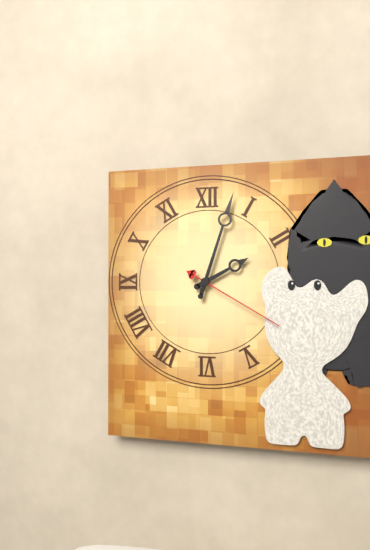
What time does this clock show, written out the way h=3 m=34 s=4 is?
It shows h=2 m=3 s=20
